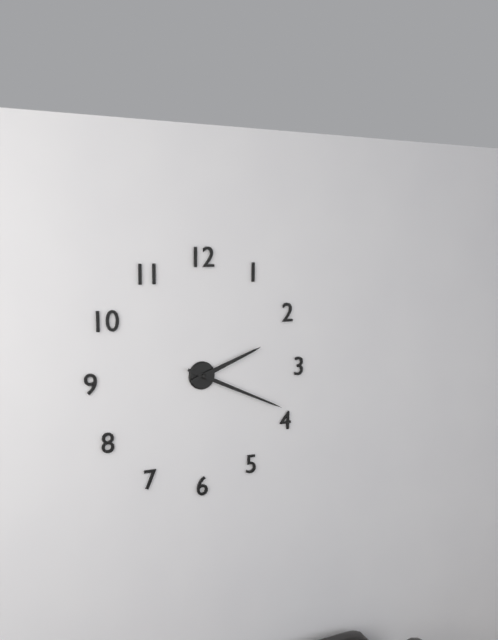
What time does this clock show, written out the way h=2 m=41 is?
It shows h=2 m=19
